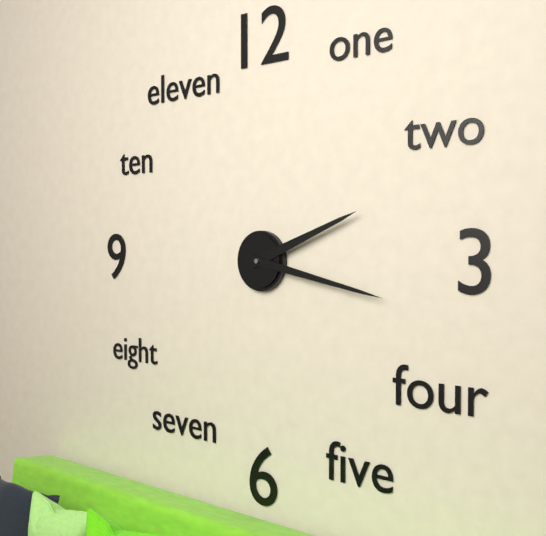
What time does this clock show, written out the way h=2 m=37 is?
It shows h=2 m=17
